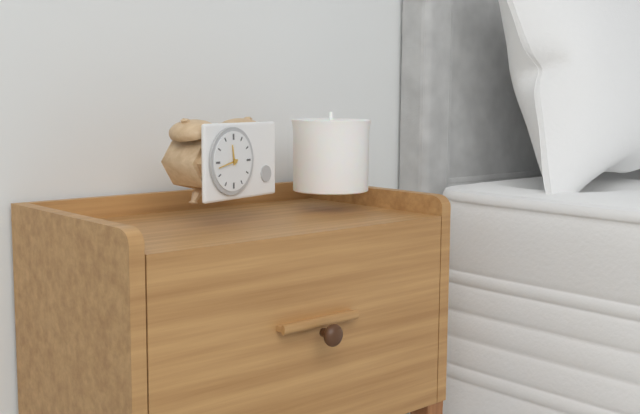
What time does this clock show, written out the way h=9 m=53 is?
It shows h=11 m=43
